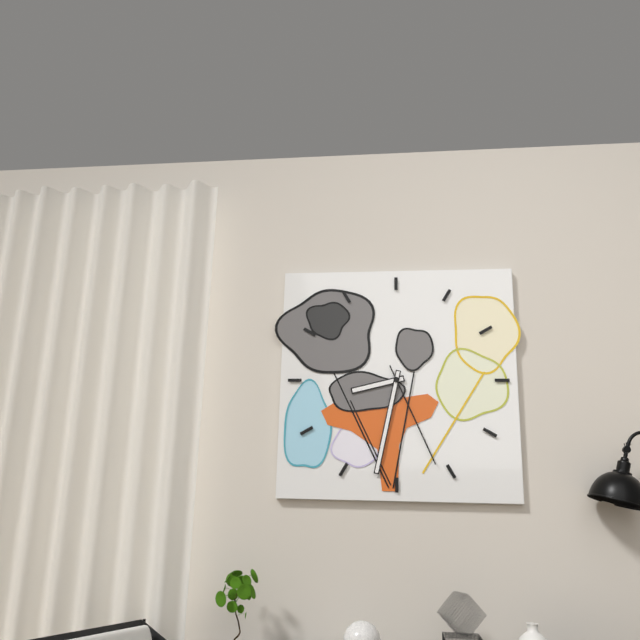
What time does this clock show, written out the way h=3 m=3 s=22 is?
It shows h=8 m=32 s=26
